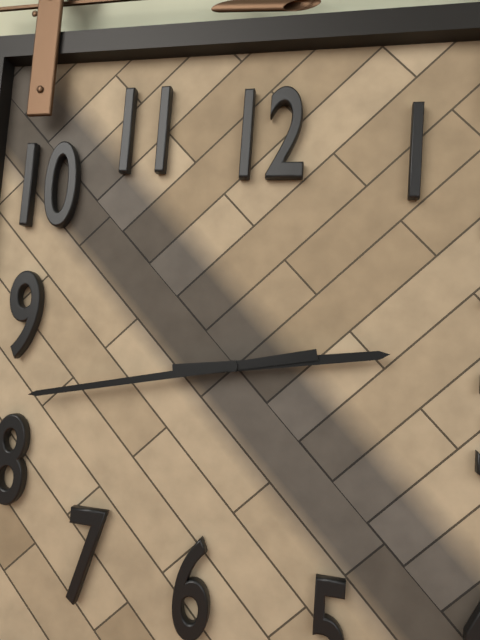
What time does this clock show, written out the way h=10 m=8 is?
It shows h=2 m=43
